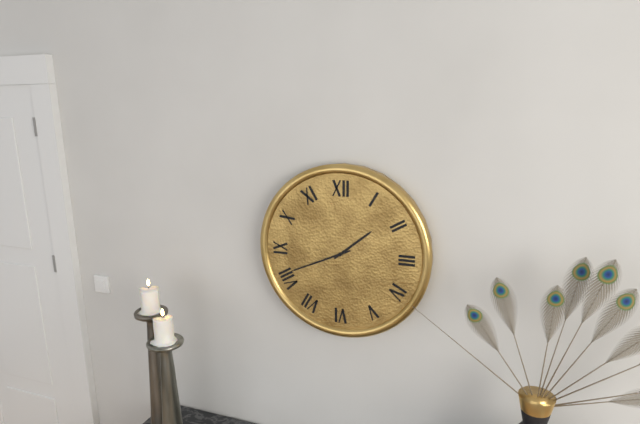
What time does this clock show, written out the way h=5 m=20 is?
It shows h=1 m=41
